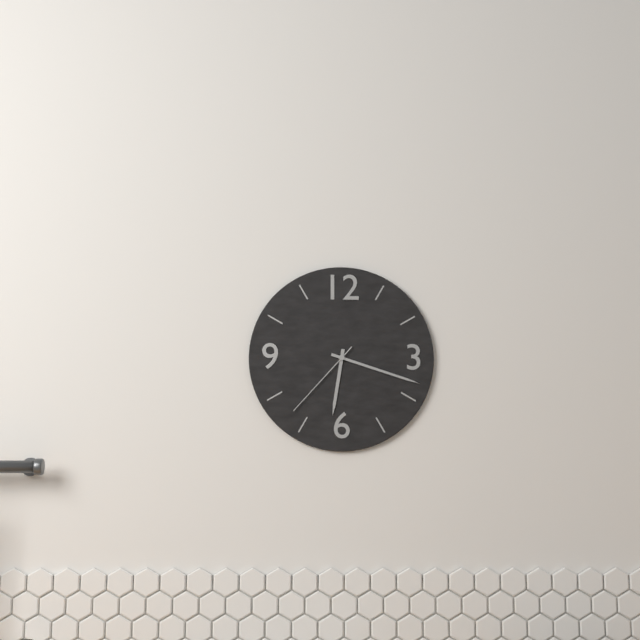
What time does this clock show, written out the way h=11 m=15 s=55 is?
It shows h=6 m=18 s=37
